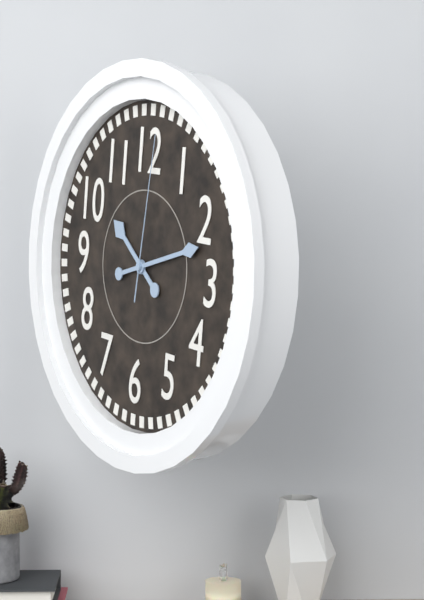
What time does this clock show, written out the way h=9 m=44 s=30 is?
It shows h=10 m=12 s=1
